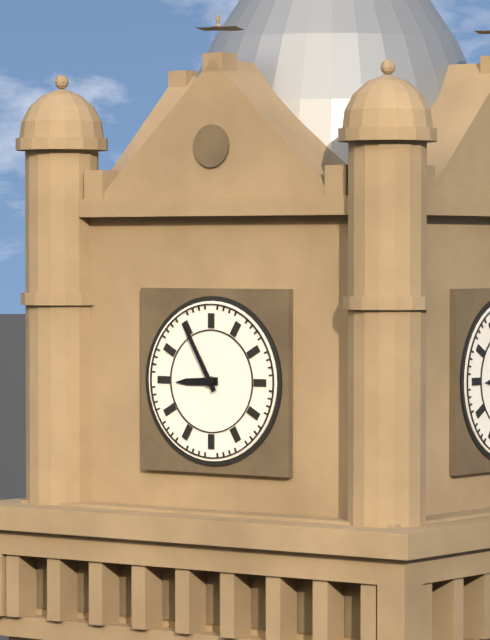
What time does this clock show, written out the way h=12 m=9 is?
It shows h=8 m=55
